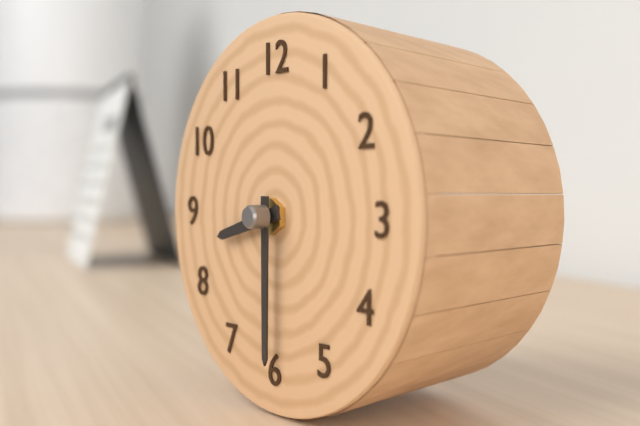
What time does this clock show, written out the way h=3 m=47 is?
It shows h=8 m=30
